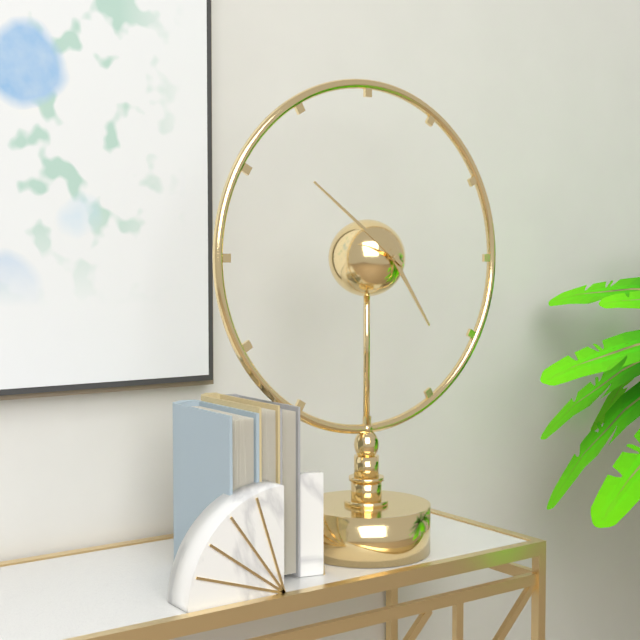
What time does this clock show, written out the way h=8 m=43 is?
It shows h=4 m=51
